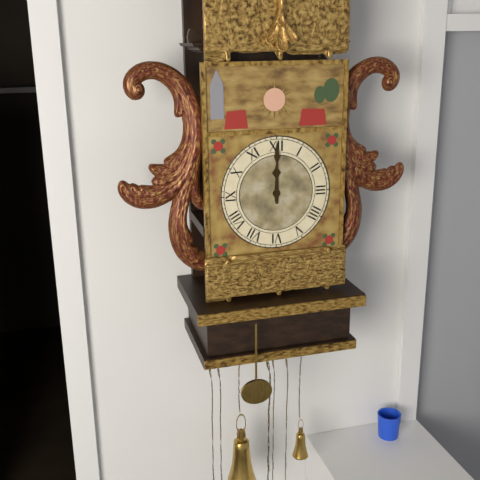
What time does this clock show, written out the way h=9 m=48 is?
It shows h=12 m=0
